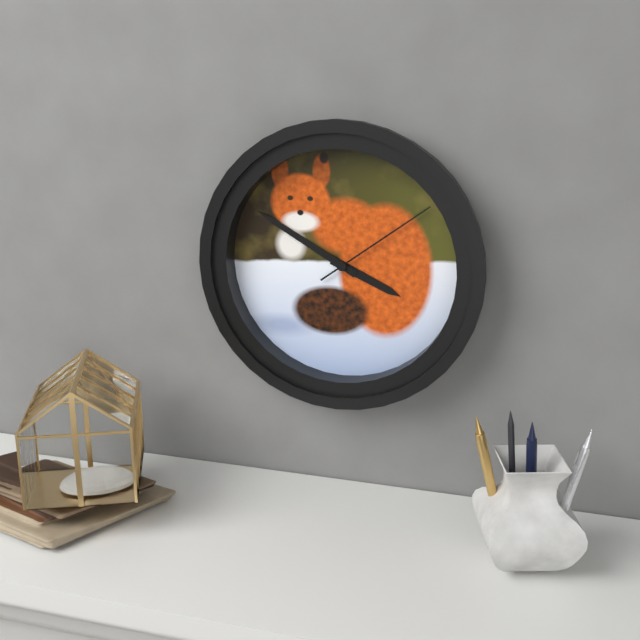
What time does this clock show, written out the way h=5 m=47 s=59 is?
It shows h=3 m=50 s=9
